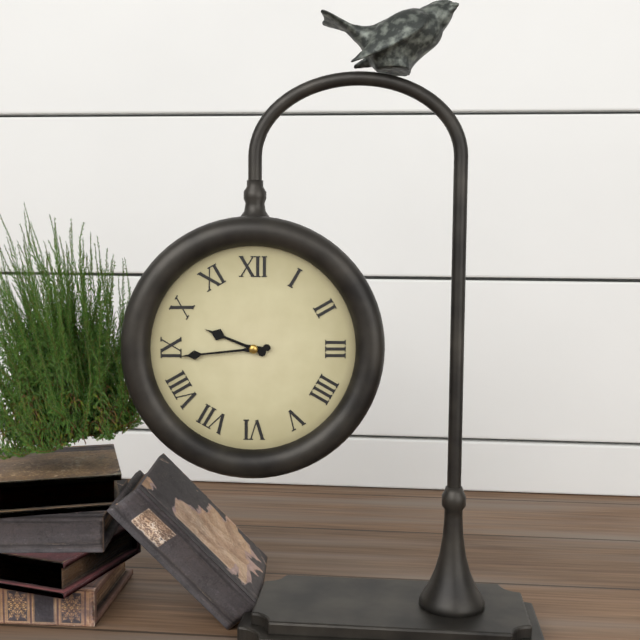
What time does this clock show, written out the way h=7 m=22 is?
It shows h=9 m=44
